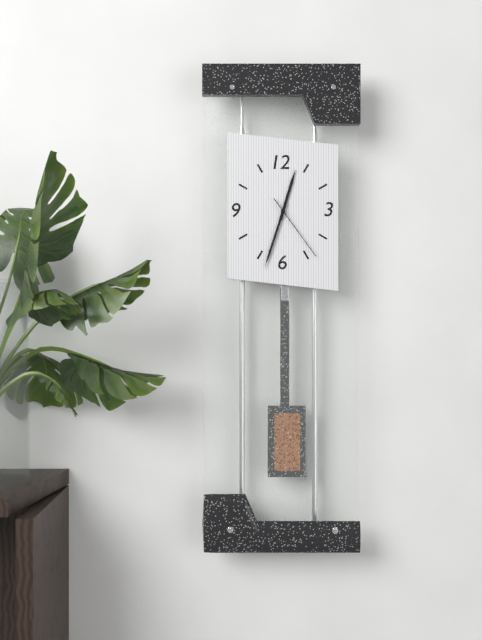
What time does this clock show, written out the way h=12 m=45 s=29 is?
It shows h=12 m=33 s=24
